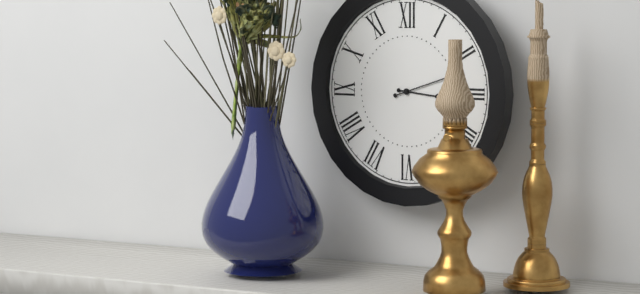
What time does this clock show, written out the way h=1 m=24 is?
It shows h=3 m=12
